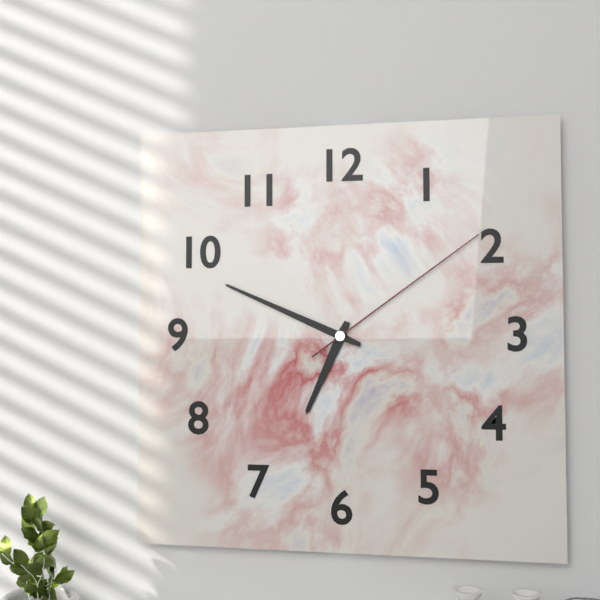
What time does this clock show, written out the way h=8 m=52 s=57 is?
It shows h=6 m=49 s=9
